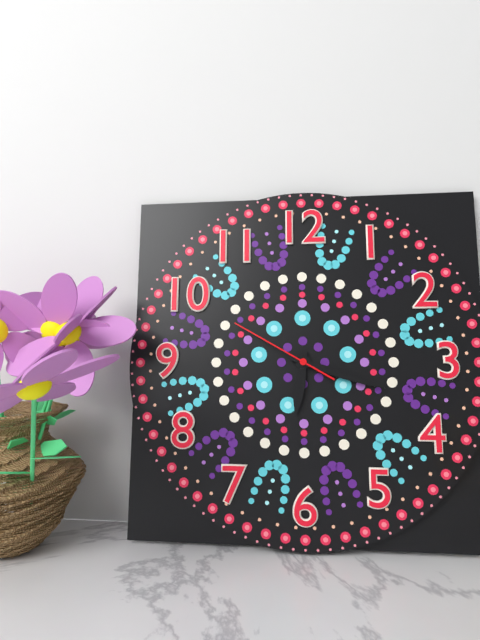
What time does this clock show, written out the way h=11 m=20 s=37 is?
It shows h=6 m=18 s=50
